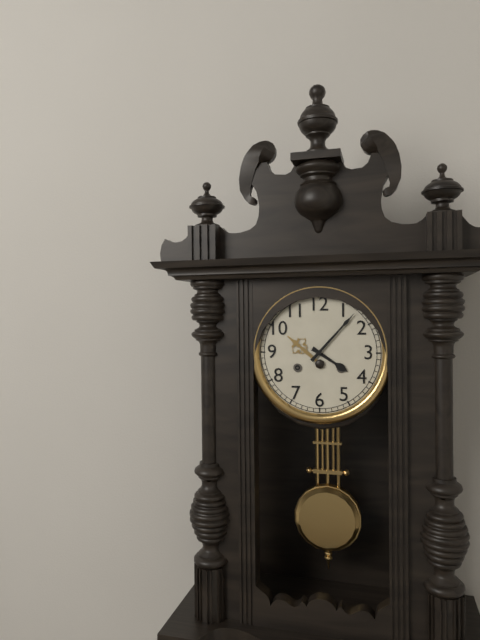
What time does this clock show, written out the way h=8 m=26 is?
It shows h=4 m=7
